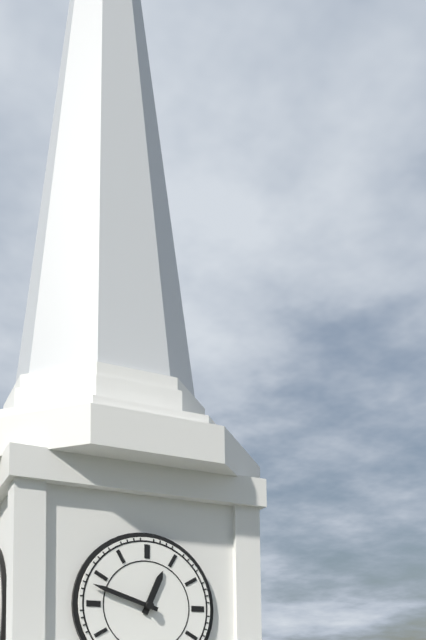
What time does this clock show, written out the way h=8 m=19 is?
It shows h=12 m=48
